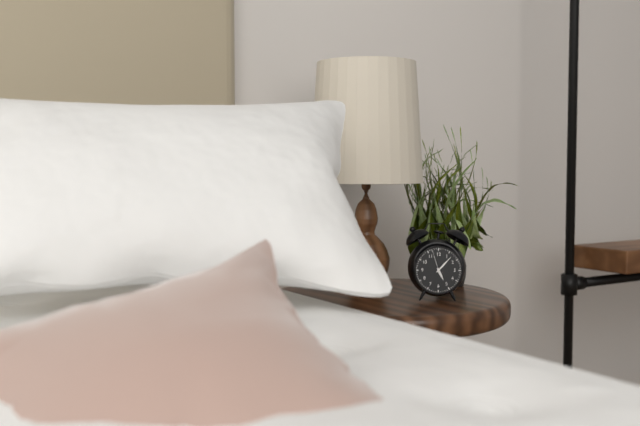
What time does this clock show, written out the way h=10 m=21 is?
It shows h=5 m=7
